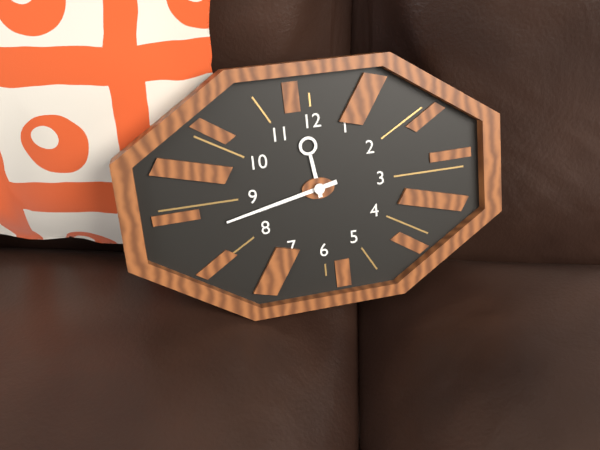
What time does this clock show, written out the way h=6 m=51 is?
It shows h=11 m=43
